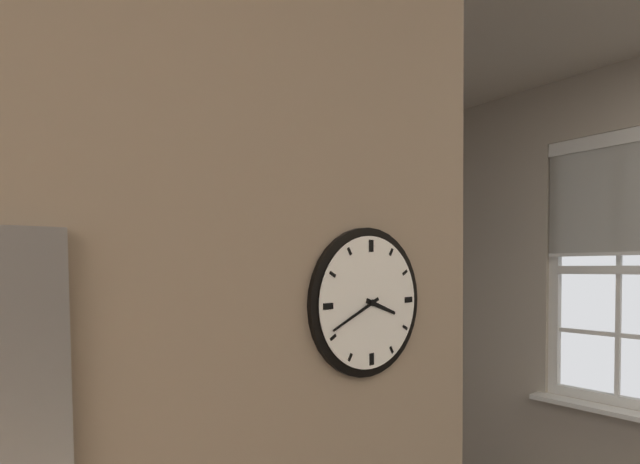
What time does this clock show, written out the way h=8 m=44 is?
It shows h=3 m=41
